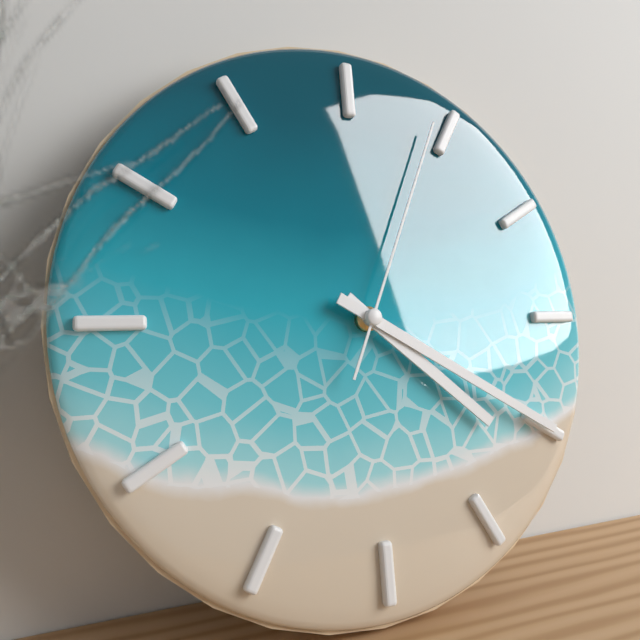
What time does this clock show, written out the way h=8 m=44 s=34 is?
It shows h=4 m=20 s=4
